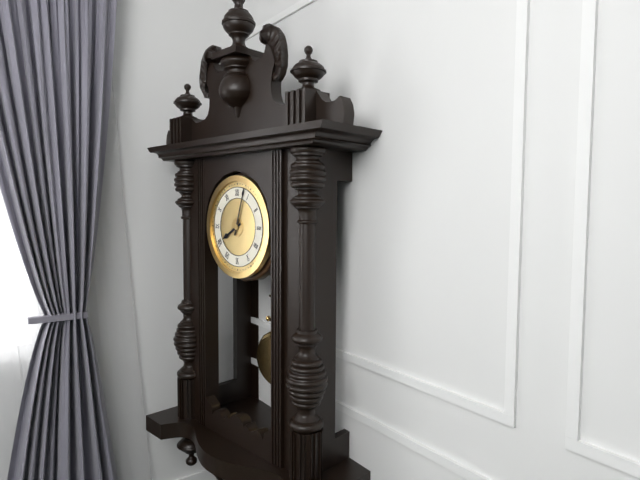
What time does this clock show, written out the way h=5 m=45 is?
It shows h=8 m=3
